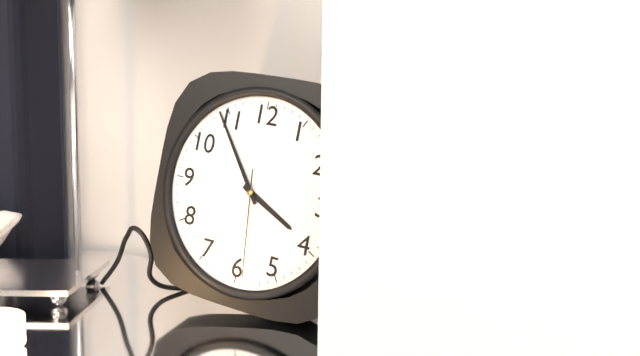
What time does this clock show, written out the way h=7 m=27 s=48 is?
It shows h=3 m=54 s=29
